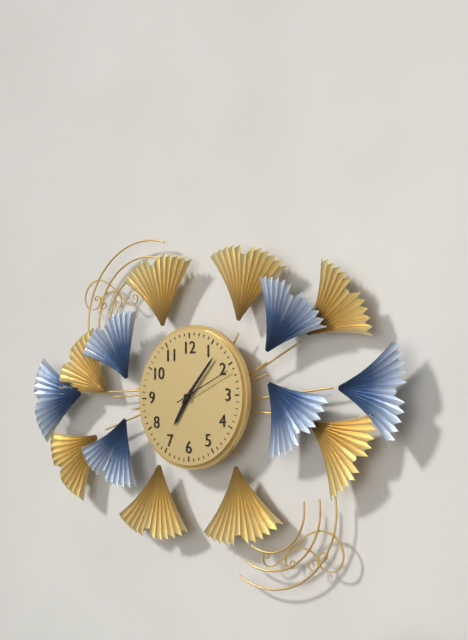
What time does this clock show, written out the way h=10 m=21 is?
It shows h=7 m=7
